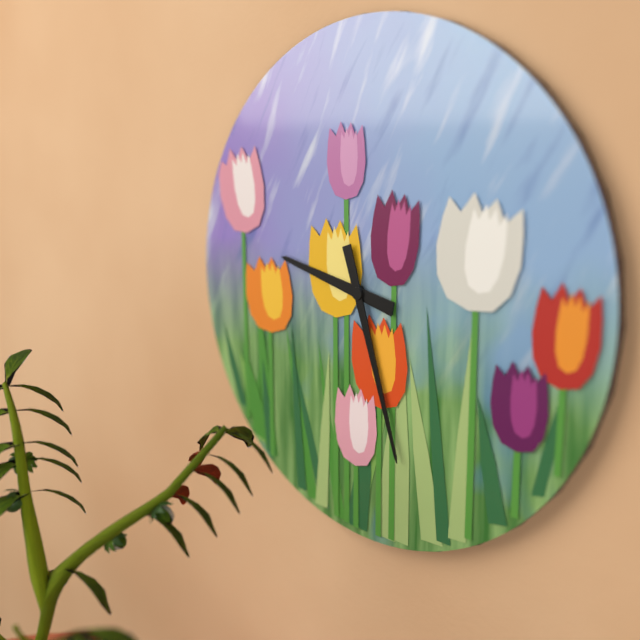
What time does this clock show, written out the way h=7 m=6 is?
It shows h=9 m=27
